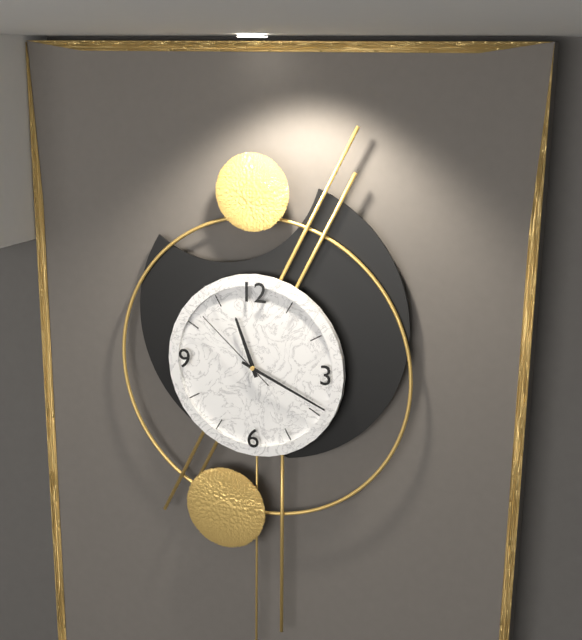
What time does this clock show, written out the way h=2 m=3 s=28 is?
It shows h=11 m=19 s=52
